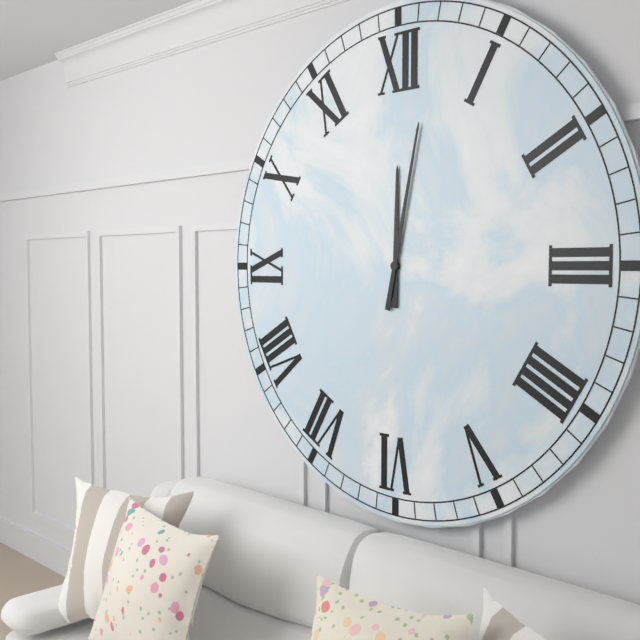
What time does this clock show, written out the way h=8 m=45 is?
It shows h=12 m=2
